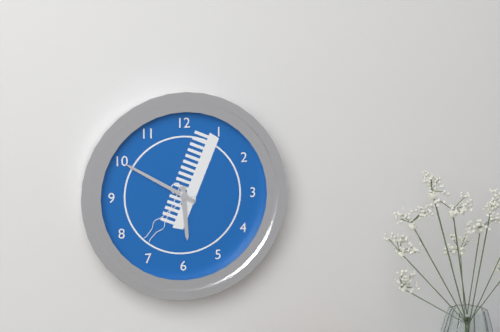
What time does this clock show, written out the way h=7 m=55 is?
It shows h=5 m=50
